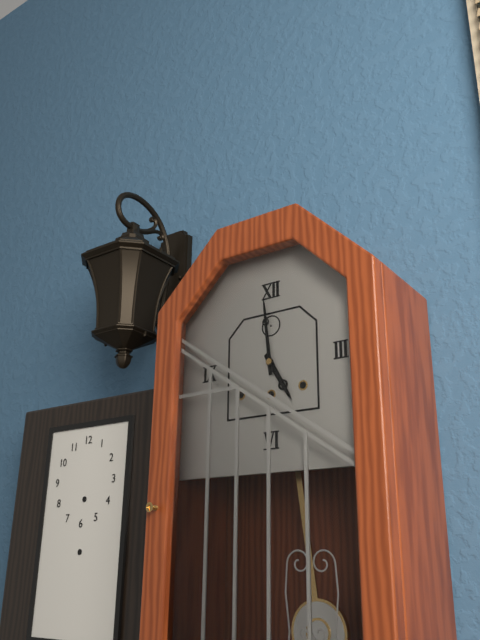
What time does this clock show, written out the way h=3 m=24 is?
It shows h=4 m=59
